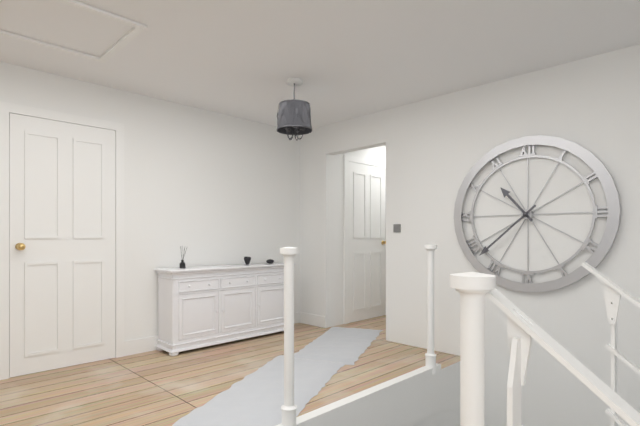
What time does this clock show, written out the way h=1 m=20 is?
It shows h=10 m=38
